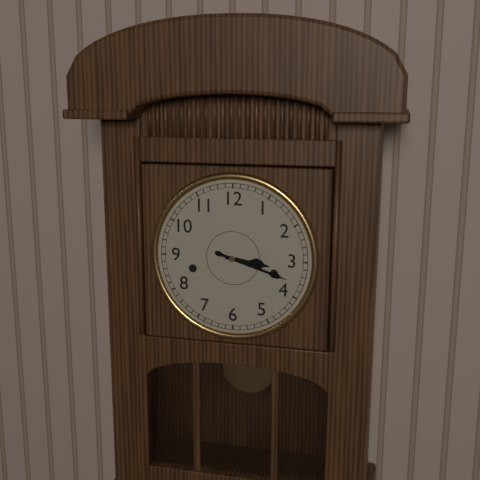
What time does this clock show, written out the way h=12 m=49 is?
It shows h=3 m=18
